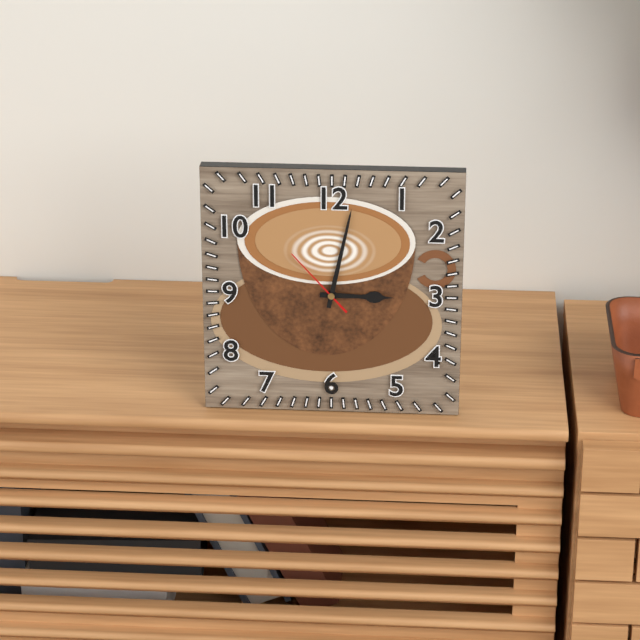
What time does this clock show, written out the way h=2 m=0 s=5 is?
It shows h=3 m=2 s=53
